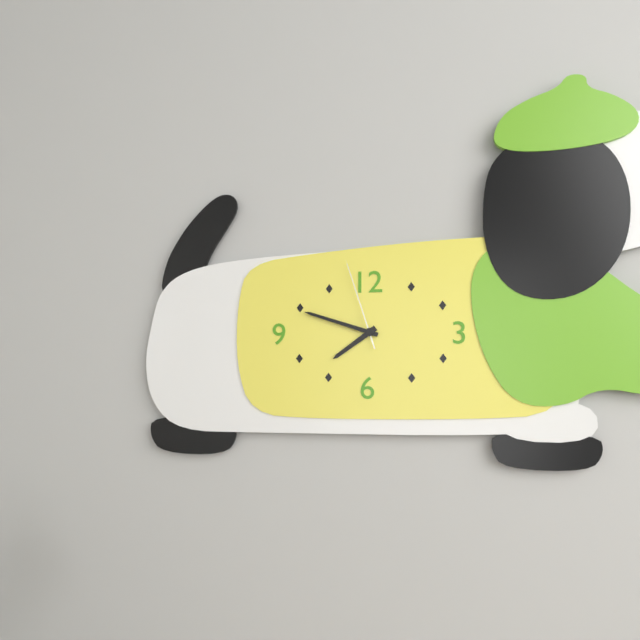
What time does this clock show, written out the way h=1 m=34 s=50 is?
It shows h=7 m=48 s=57
